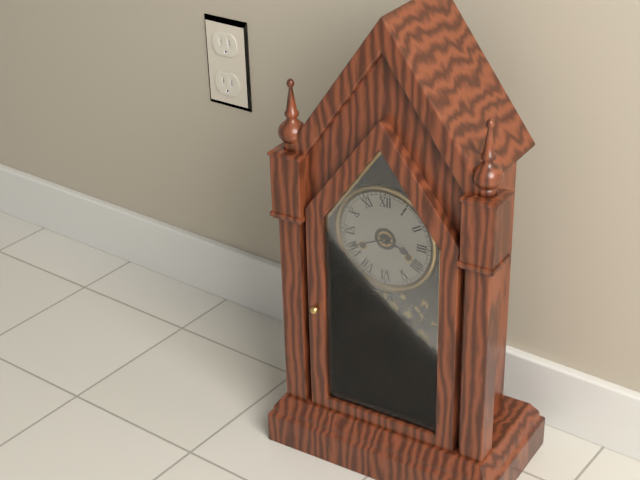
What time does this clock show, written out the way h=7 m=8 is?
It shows h=3 m=41
